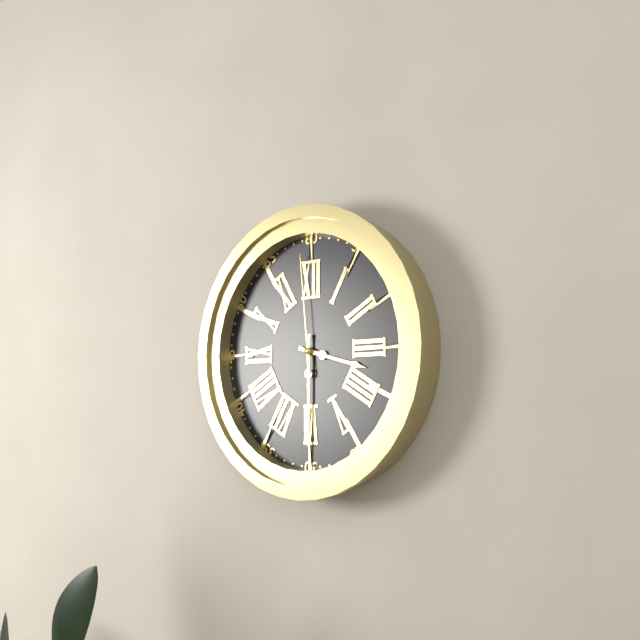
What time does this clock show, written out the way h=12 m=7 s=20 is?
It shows h=3 m=30 s=59
